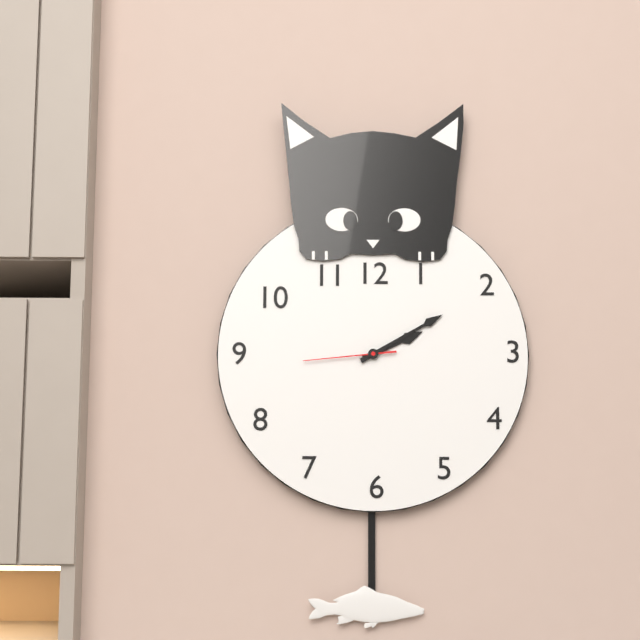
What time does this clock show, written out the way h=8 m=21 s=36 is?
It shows h=2 m=10 s=44
